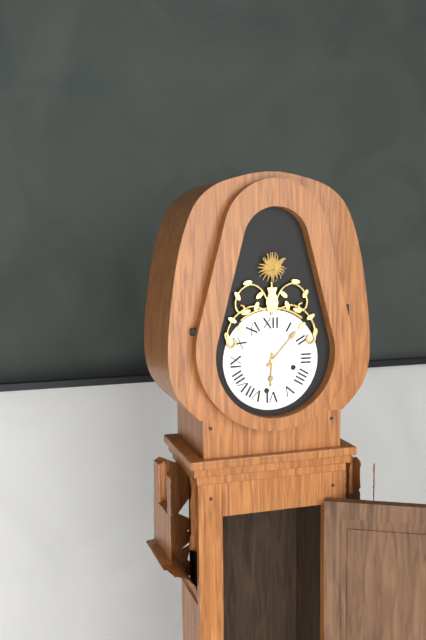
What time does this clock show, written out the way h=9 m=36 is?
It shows h=6 m=7
